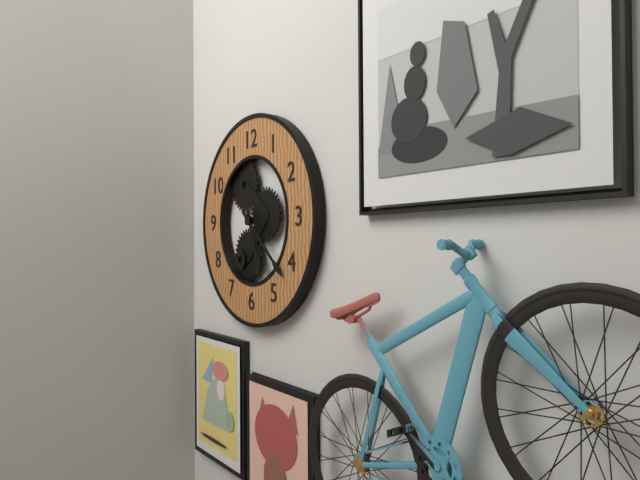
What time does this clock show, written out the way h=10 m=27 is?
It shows h=5 m=22
